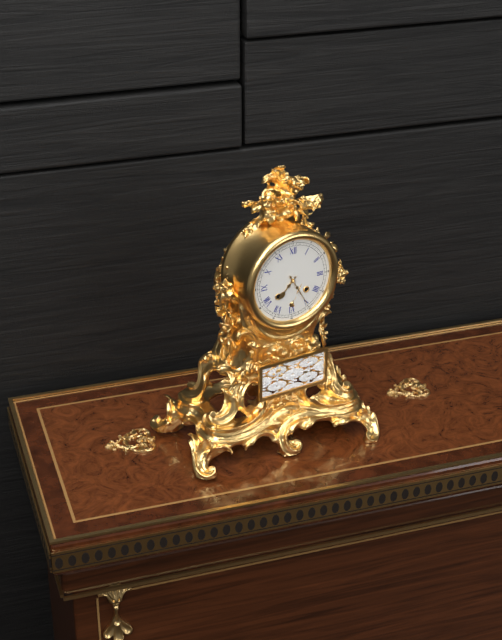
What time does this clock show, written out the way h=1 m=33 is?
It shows h=7 m=25
